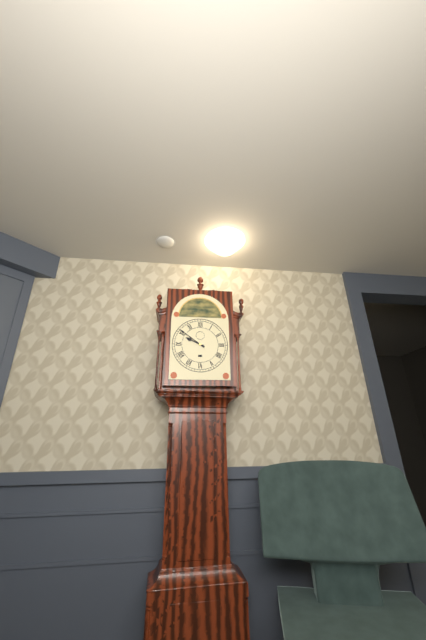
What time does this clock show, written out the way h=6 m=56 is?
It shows h=9 m=51
